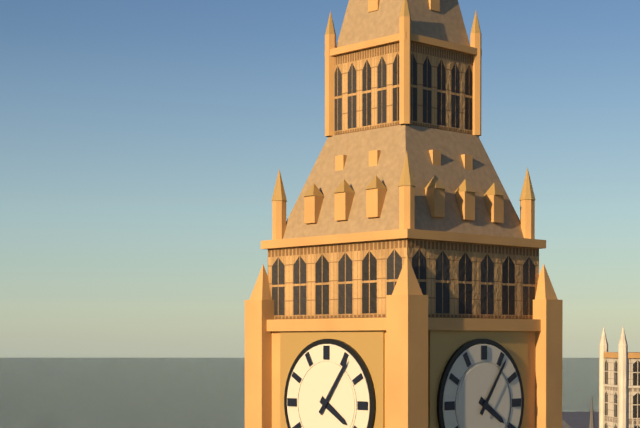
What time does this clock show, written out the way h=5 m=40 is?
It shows h=4 m=6
